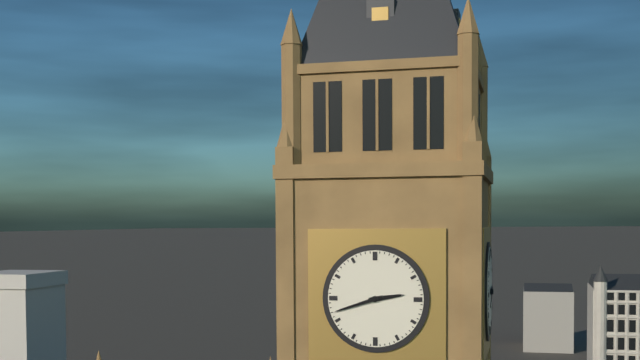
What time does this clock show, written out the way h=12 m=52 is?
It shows h=2 m=42
